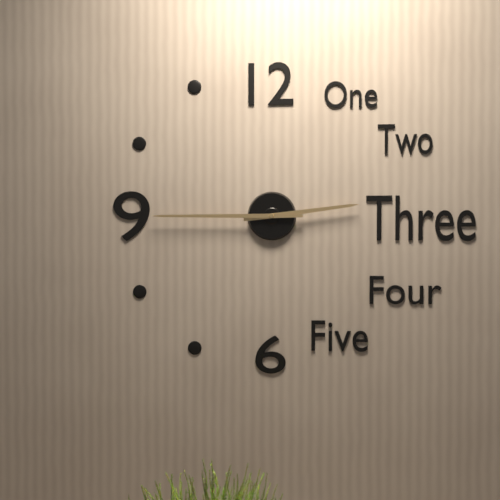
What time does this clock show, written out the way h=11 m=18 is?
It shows h=2 m=45
